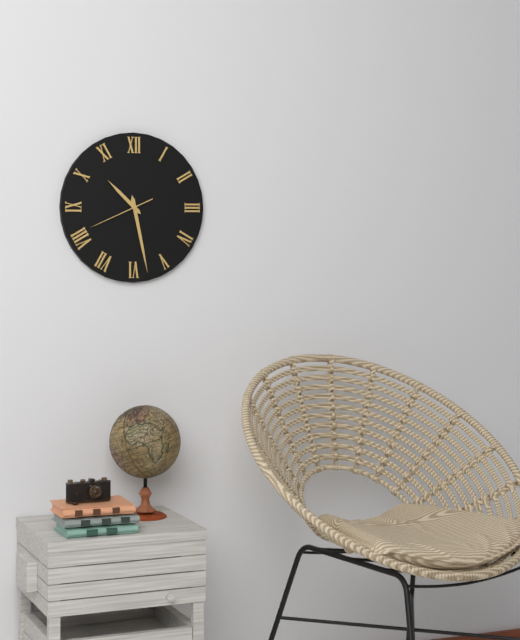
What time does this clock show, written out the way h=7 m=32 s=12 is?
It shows h=10 m=28 s=41
